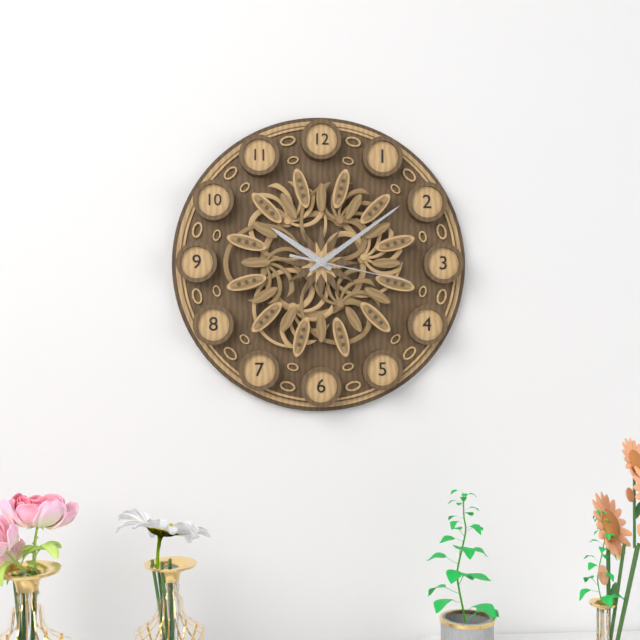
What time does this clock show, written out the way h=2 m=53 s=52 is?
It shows h=10 m=9 s=17
